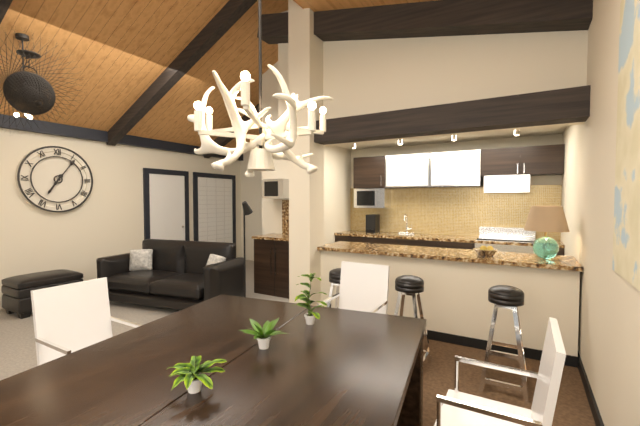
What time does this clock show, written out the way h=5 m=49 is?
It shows h=7 m=6
